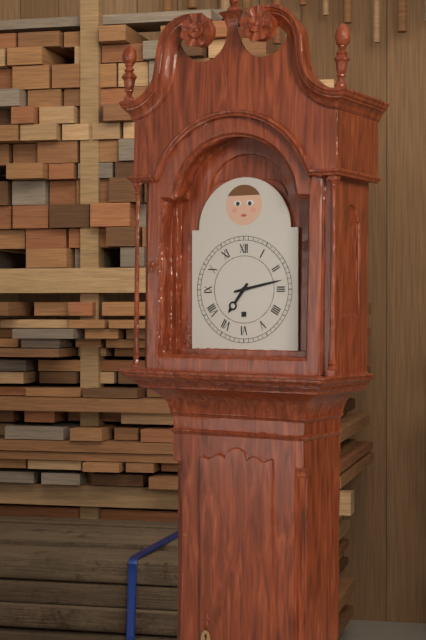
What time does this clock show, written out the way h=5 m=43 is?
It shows h=7 m=13
